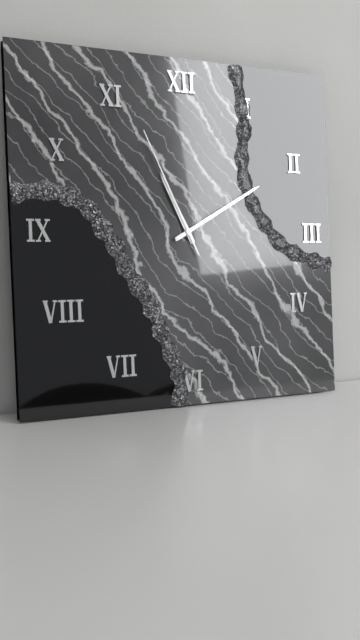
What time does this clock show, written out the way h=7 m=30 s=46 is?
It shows h=11 m=10 s=56
